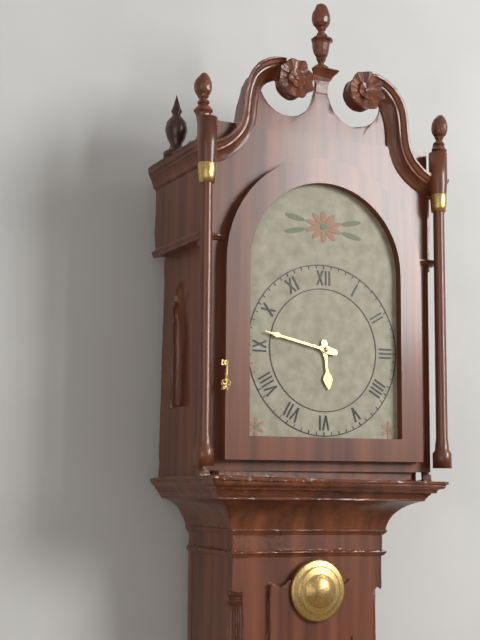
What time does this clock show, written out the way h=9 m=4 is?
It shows h=5 m=47
